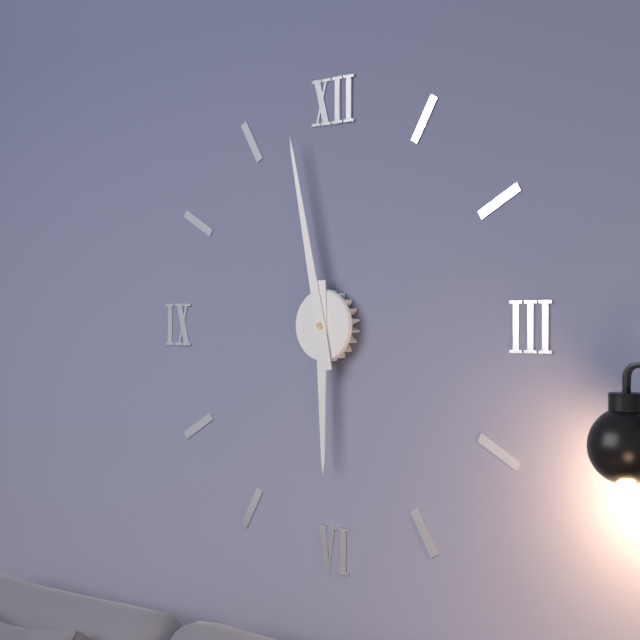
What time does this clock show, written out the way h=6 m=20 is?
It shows h=5 m=58
